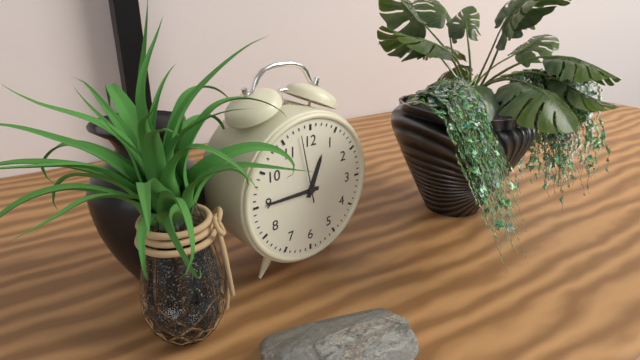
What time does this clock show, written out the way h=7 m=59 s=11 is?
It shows h=12 m=45 s=58
